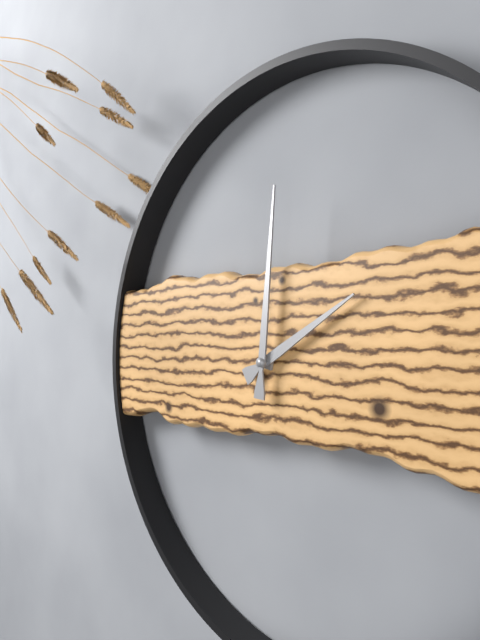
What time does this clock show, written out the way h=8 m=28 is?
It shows h=2 m=1
